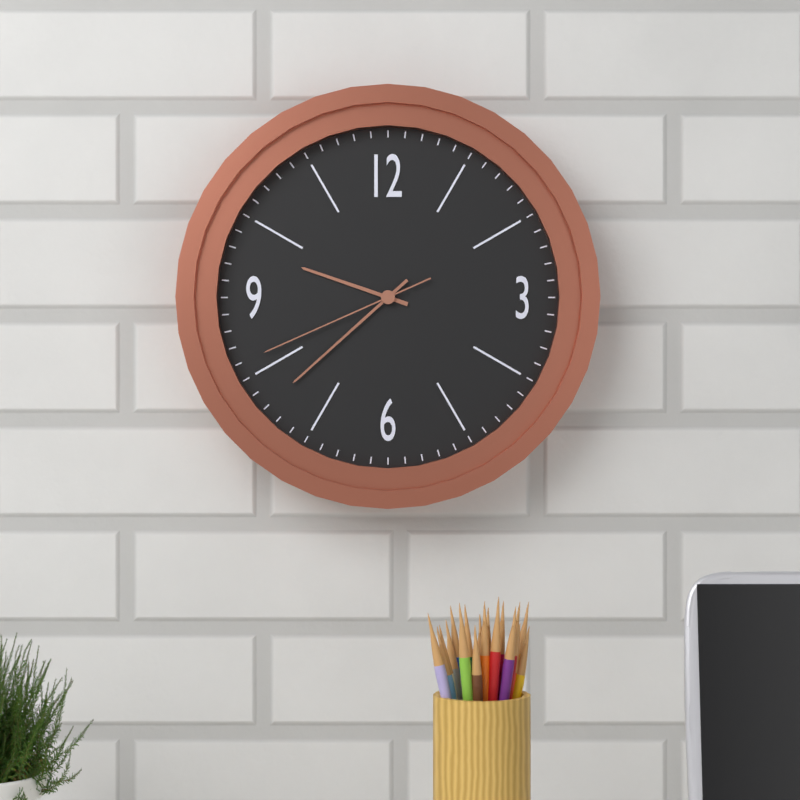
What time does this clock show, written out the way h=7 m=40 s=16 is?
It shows h=9 m=38 s=41
